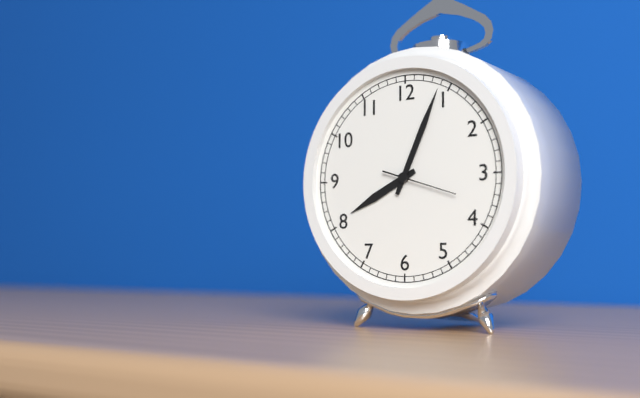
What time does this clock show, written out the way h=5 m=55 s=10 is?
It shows h=8 m=4 s=18
